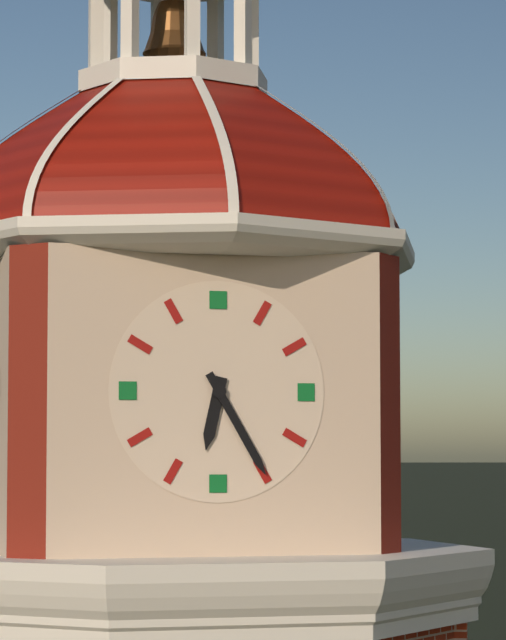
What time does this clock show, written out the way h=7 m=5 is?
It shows h=6 m=25
